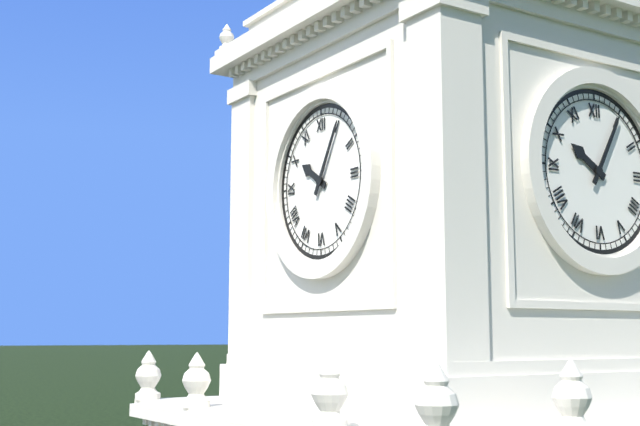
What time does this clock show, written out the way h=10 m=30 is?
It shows h=10 m=5
